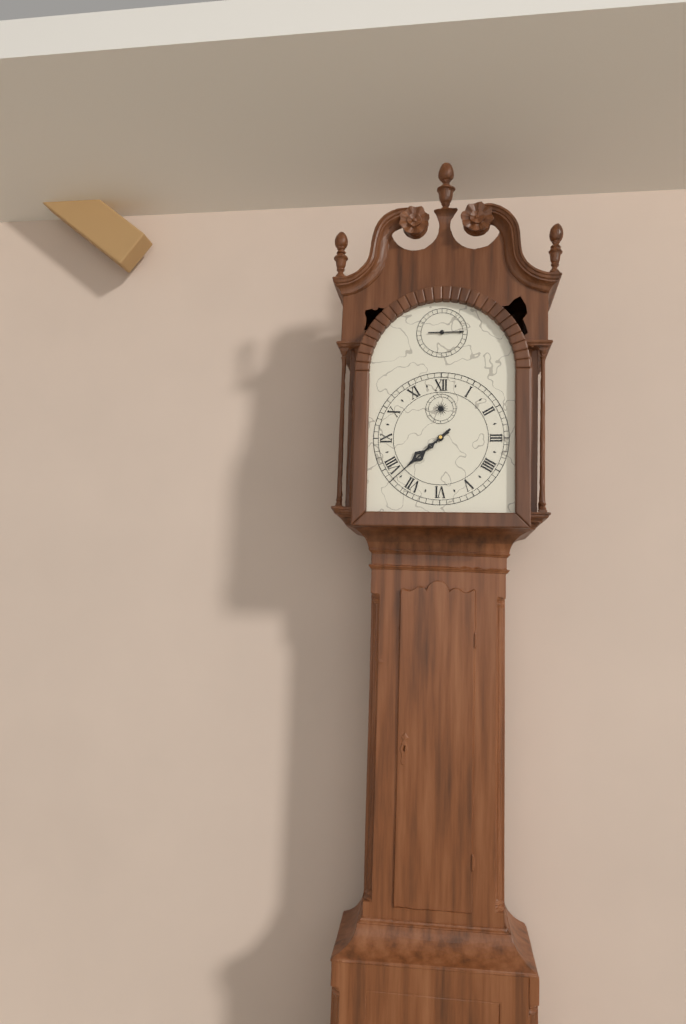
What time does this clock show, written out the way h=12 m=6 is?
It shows h=7 m=38
